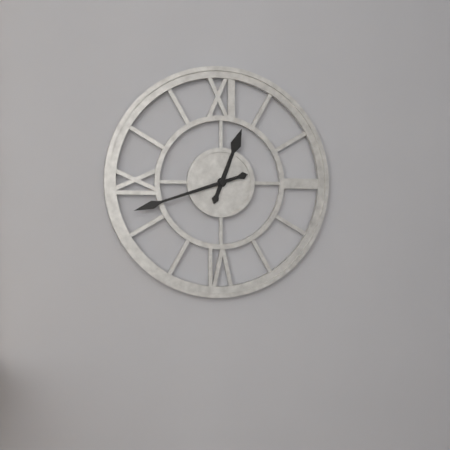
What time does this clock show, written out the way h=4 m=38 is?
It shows h=12 m=42
